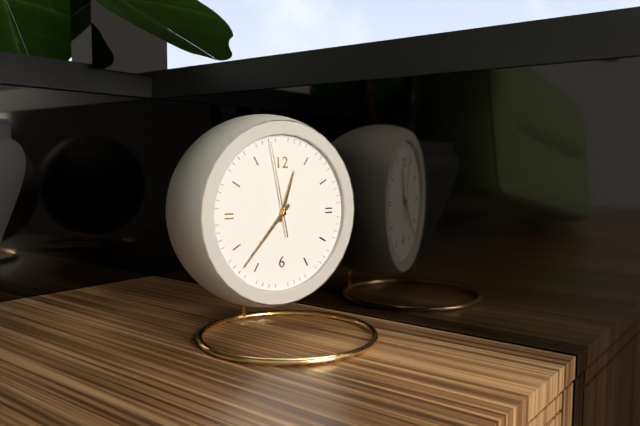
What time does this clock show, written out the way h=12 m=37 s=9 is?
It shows h=12 m=37 s=58
